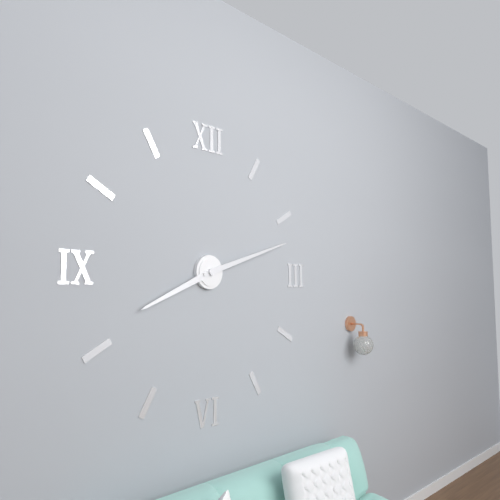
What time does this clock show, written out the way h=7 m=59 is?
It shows h=8 m=12
